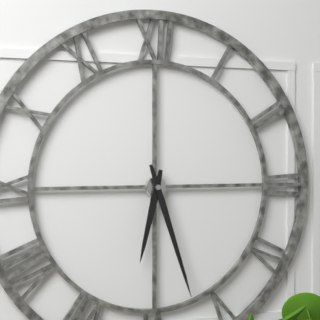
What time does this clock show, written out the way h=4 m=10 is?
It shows h=6 m=27
